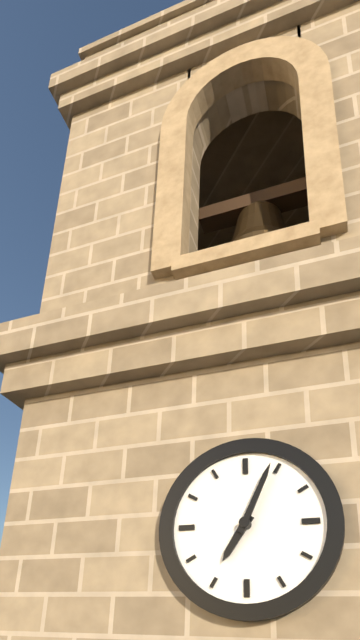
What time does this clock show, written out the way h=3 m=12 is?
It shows h=7 m=4
